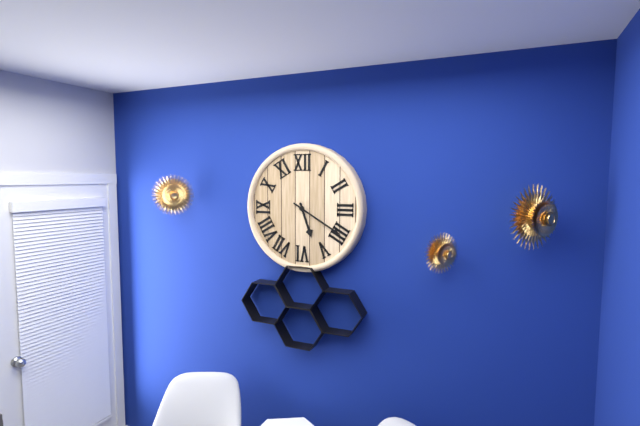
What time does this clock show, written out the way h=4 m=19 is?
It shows h=5 m=20
